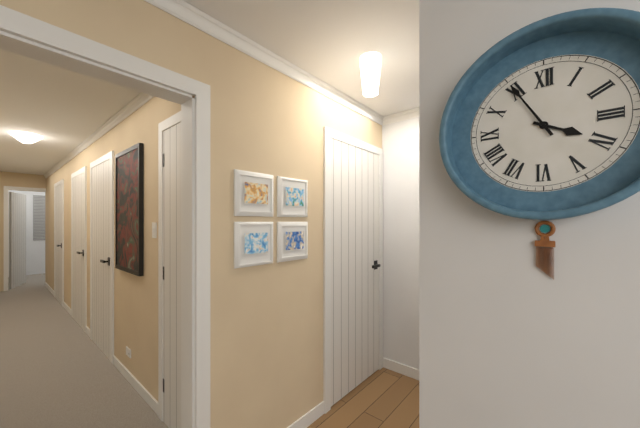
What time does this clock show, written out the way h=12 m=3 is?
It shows h=3 m=55
